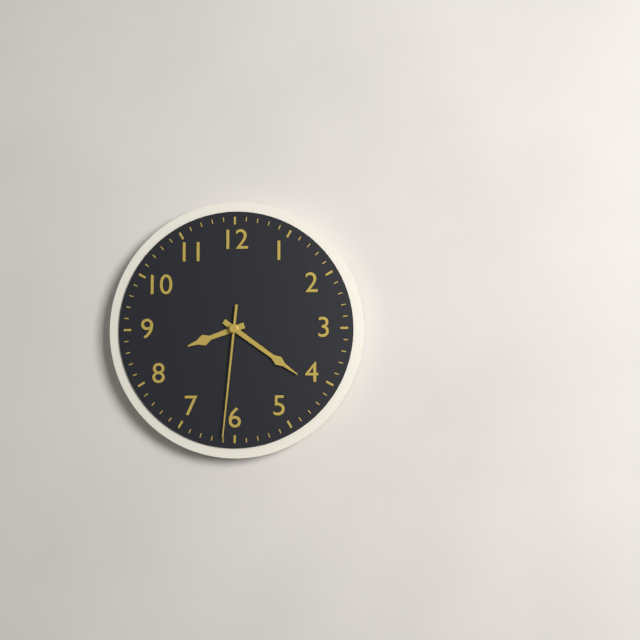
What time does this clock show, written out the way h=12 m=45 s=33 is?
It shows h=8 m=21 s=31
